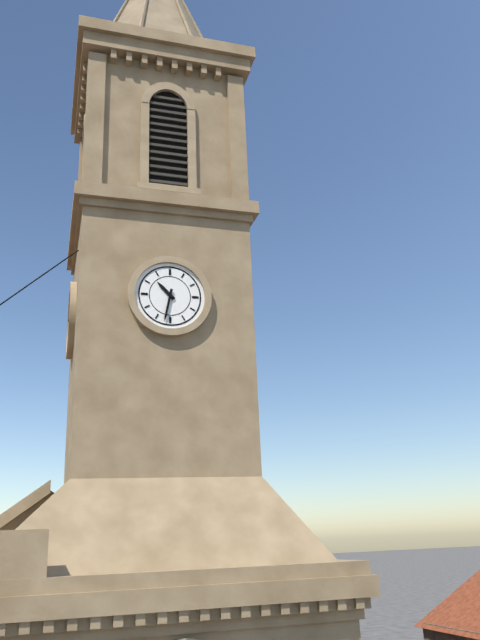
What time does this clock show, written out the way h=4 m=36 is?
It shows h=10 m=32
